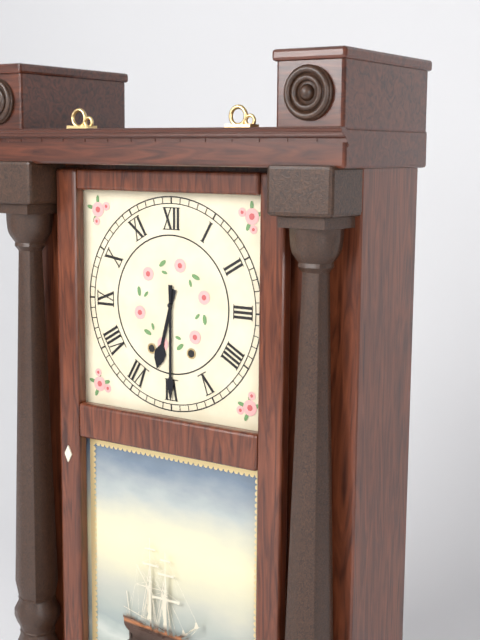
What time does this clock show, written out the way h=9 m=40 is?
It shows h=6 m=30
